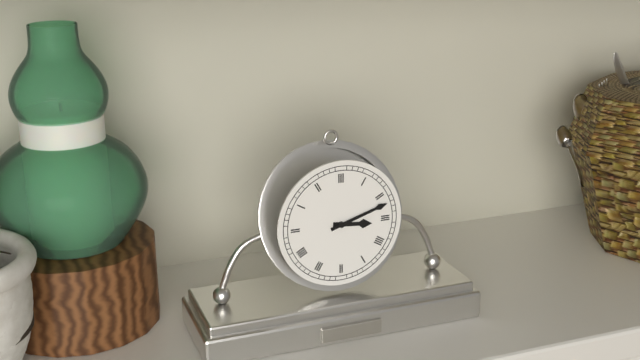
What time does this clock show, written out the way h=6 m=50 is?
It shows h=3 m=12
